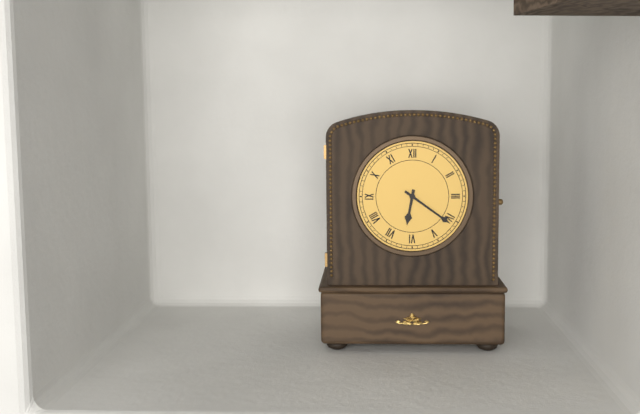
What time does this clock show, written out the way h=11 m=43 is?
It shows h=6 m=21
